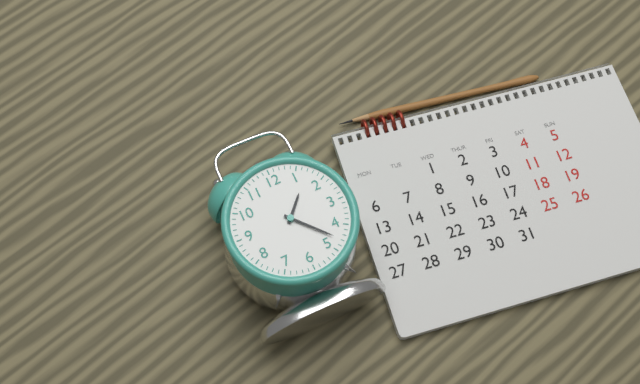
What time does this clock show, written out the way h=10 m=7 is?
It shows h=1 m=23
